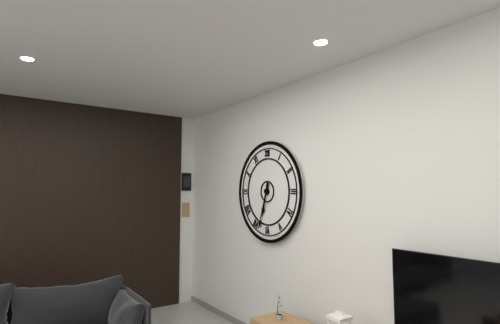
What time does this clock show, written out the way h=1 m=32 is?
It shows h=6 m=33
